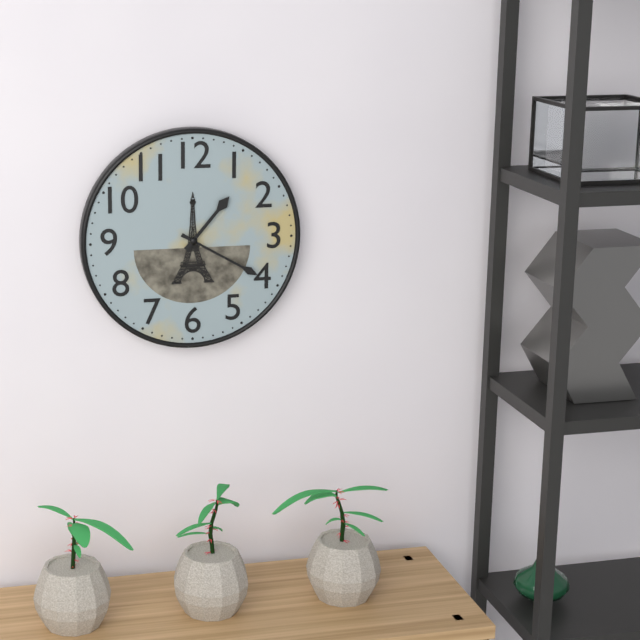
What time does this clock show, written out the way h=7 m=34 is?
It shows h=1 m=20
